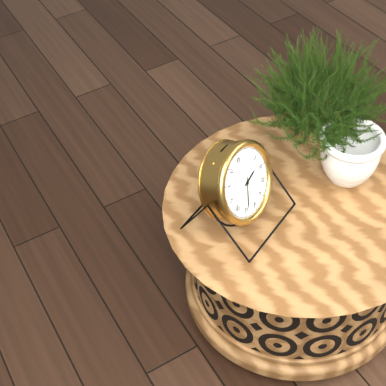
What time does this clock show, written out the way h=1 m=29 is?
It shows h=2 m=34
